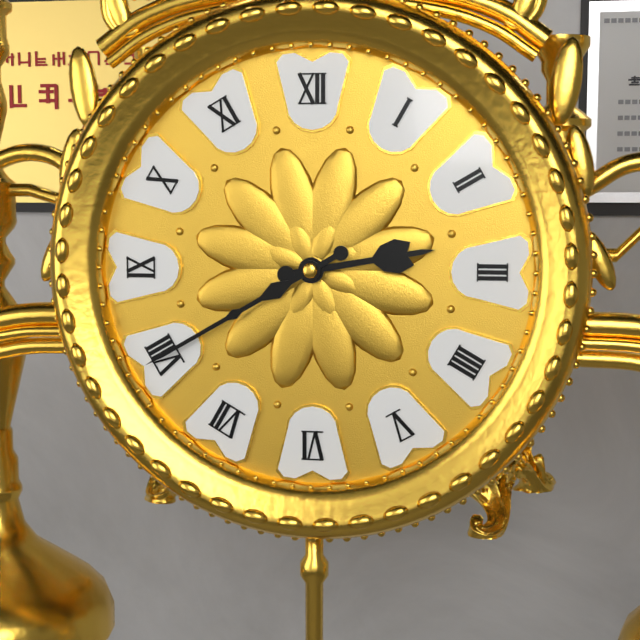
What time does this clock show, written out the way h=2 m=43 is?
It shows h=2 m=40
